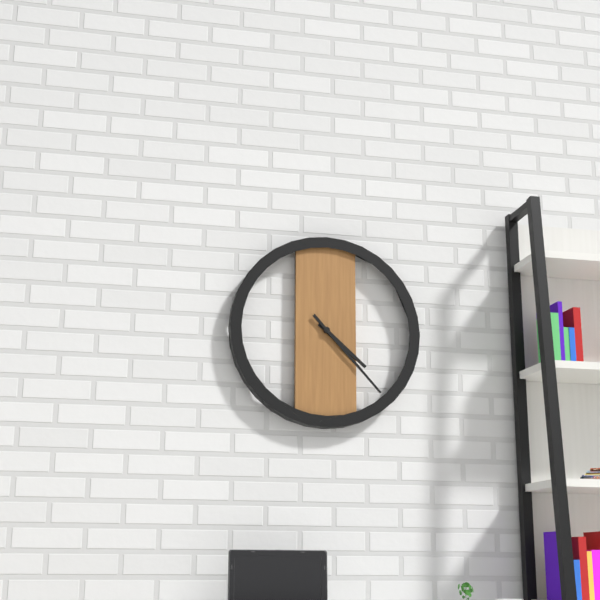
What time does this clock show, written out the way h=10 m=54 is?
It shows h=4 m=23
